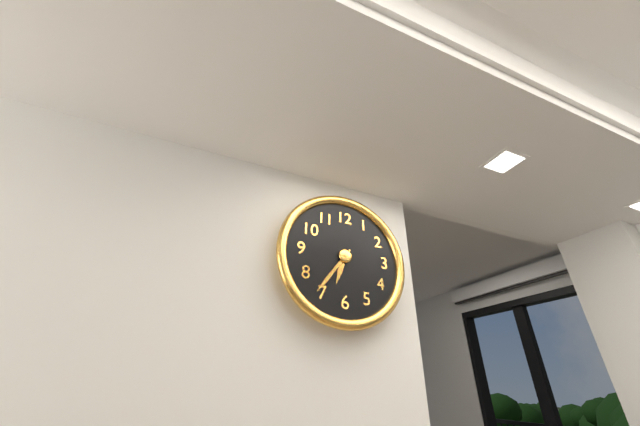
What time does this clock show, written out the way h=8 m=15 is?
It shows h=6 m=36
